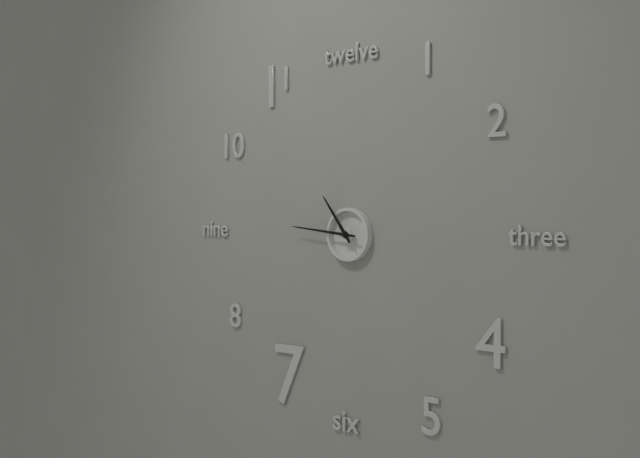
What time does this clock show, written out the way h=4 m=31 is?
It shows h=10 m=46
